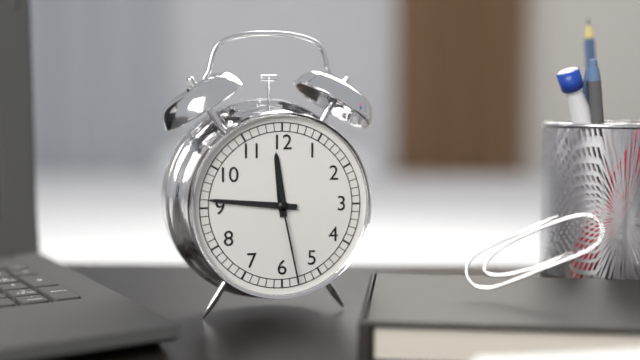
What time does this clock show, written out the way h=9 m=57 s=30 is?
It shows h=11 m=46 s=28
